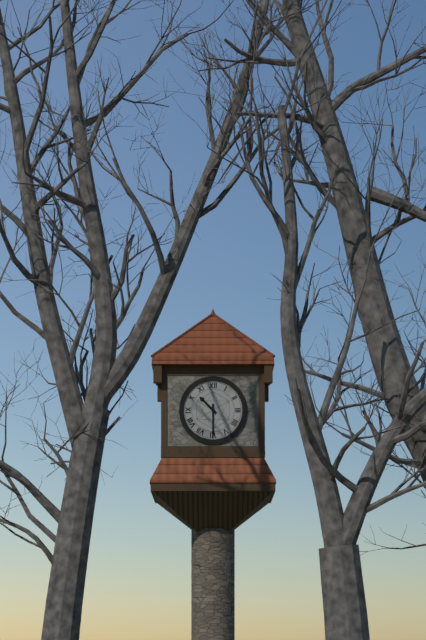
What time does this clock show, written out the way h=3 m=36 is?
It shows h=10 m=30
